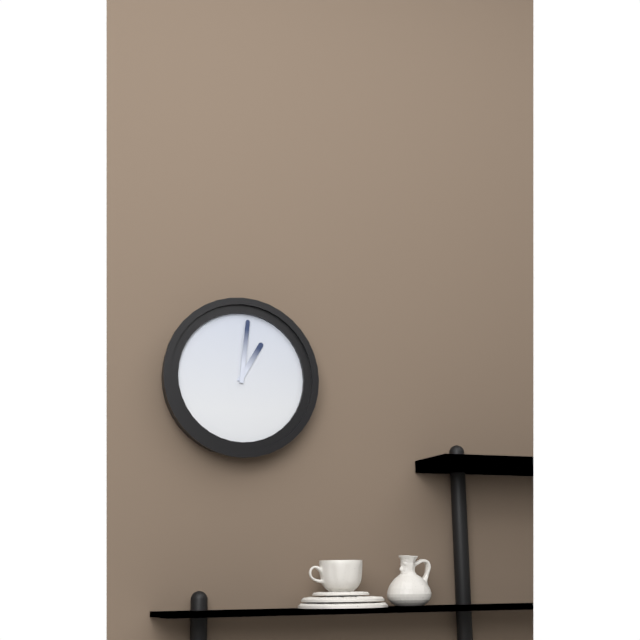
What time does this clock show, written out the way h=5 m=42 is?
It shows h=1 m=1
